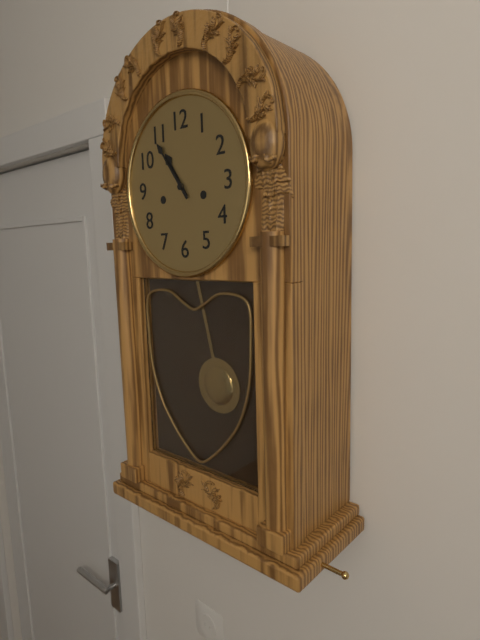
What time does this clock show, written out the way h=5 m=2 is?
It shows h=10 m=54
